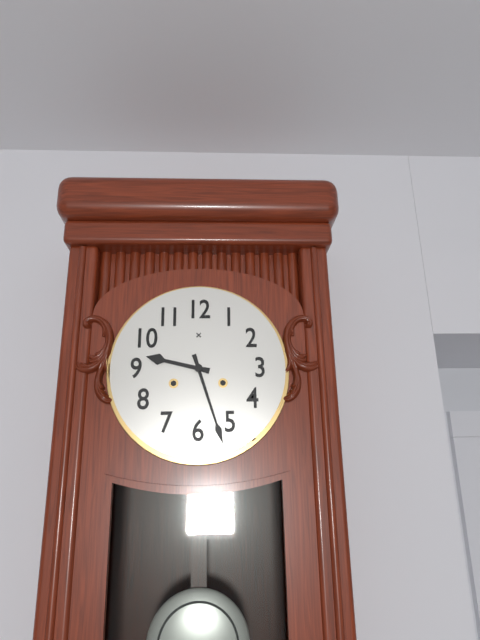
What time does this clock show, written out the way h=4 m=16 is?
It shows h=9 m=27
